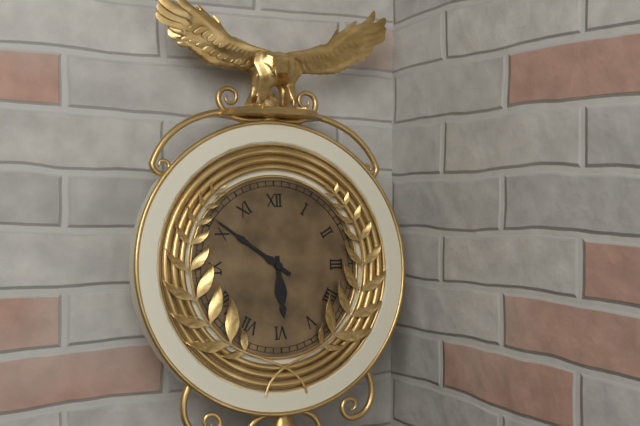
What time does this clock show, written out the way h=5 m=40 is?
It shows h=5 m=51
